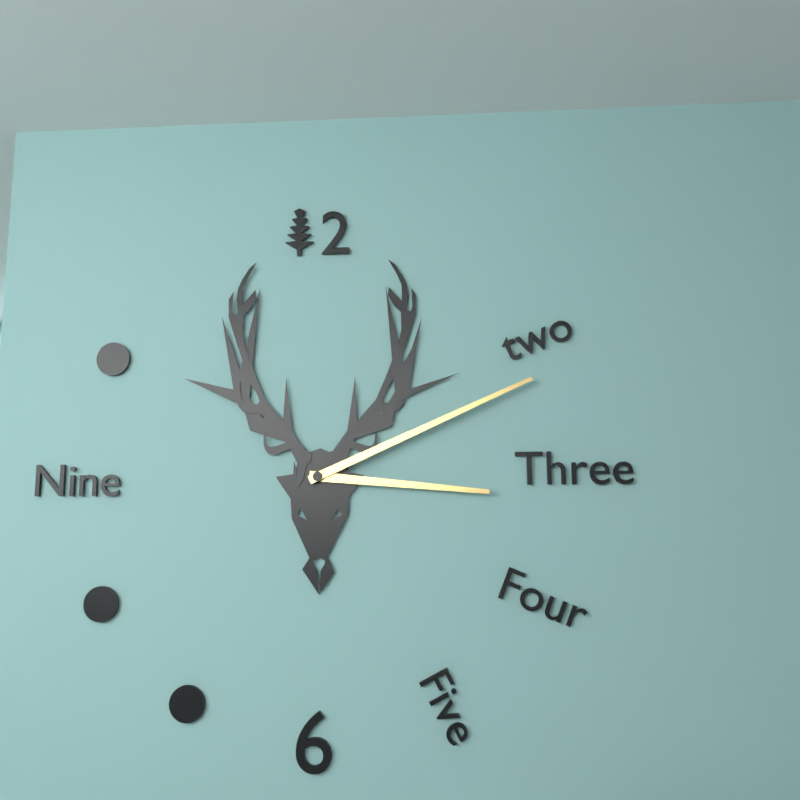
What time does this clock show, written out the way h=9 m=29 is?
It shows h=3 m=11
